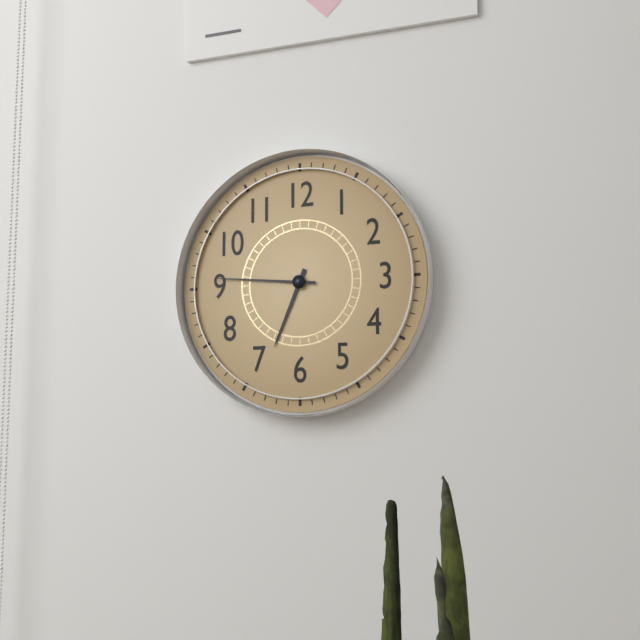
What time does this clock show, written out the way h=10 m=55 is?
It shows h=6 m=46
